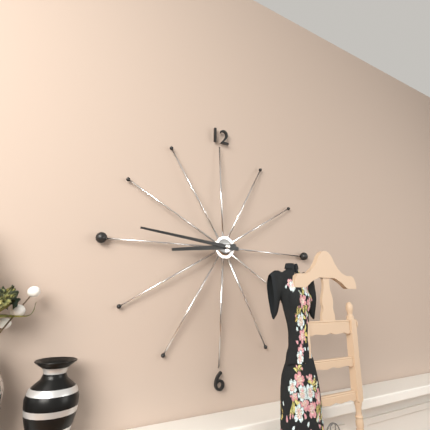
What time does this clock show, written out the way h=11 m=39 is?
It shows h=8 m=46
